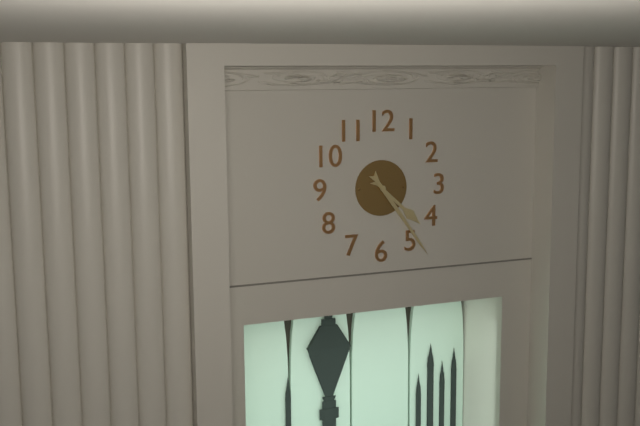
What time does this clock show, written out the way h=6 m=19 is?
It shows h=4 m=24
